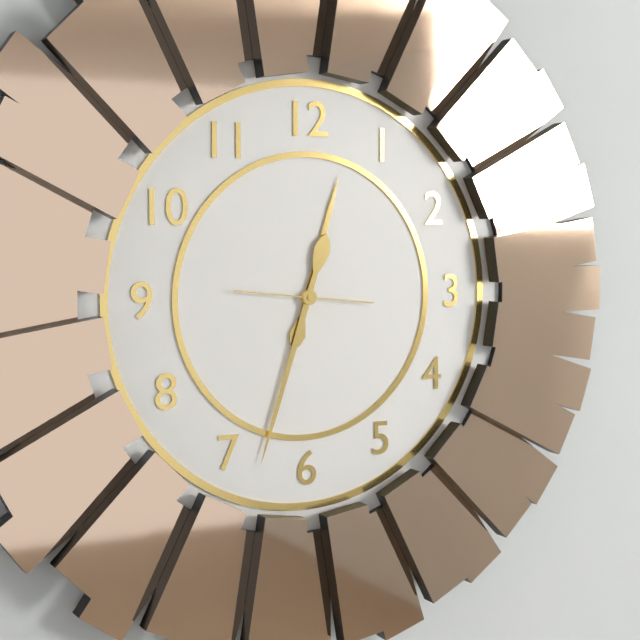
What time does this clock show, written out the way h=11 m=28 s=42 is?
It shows h=12 m=33 s=46
